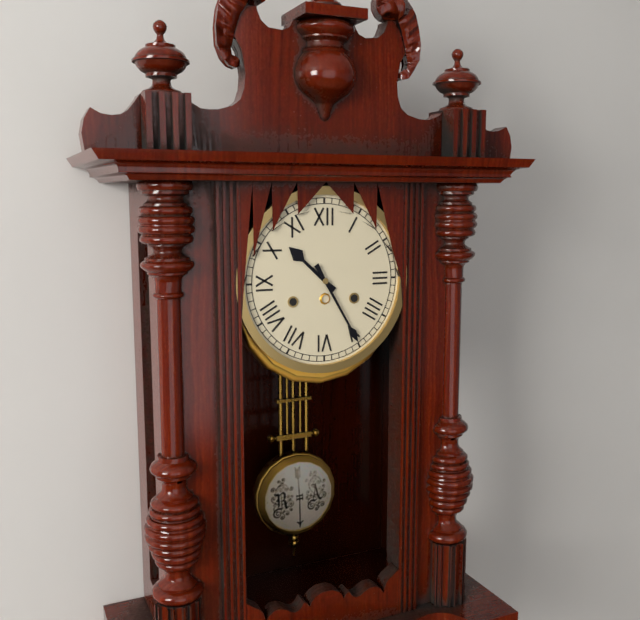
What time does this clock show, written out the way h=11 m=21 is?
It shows h=10 m=25
